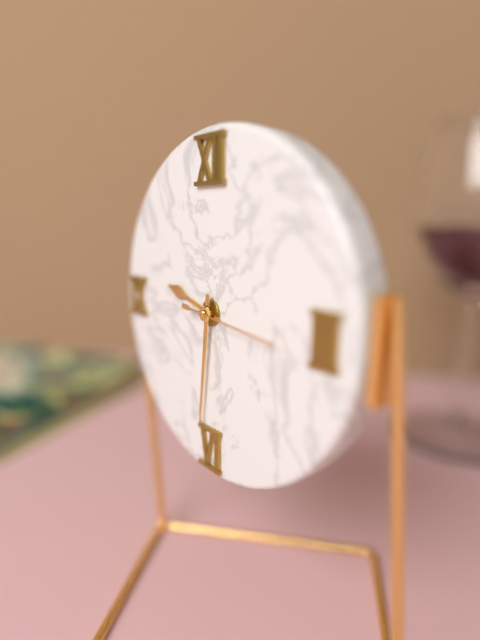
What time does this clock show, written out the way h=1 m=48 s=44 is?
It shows h=9 m=31 s=16
